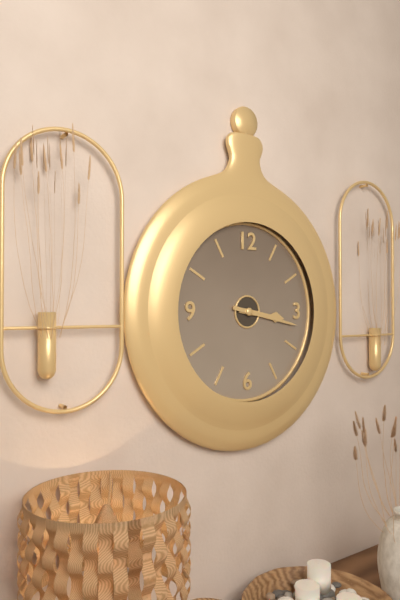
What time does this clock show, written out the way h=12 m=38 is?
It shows h=3 m=17
